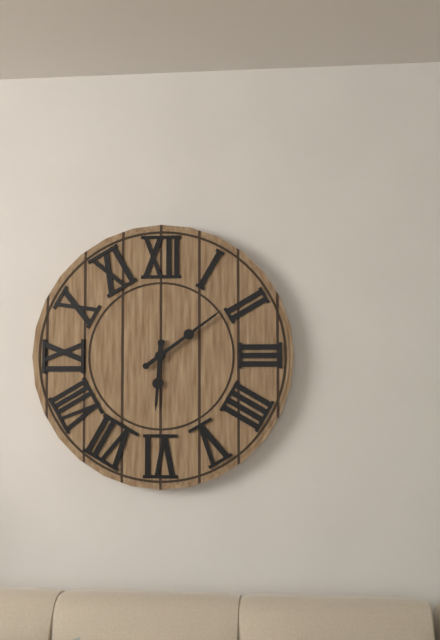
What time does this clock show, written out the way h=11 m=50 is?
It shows h=6 m=9
